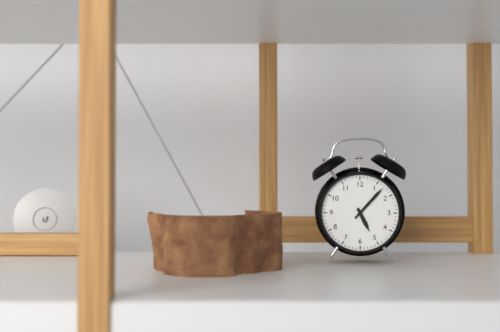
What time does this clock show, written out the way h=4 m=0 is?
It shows h=5 m=7
